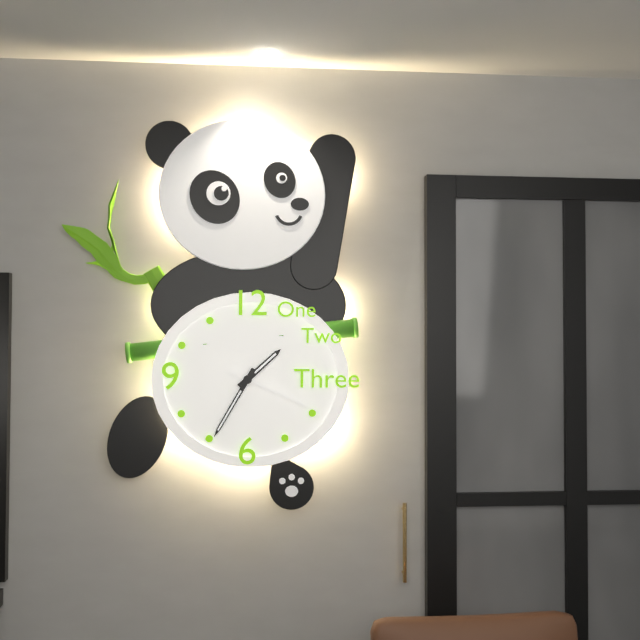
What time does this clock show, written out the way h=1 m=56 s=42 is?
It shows h=1 m=35 s=19
